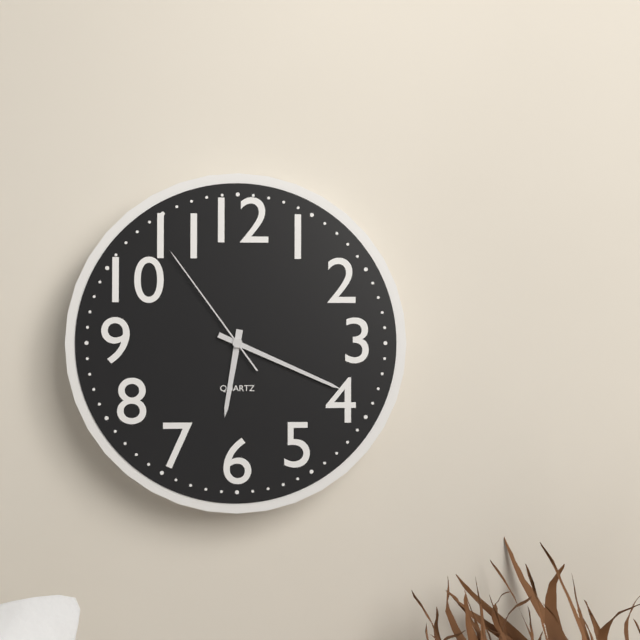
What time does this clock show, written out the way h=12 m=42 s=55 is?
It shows h=6 m=19 s=54
